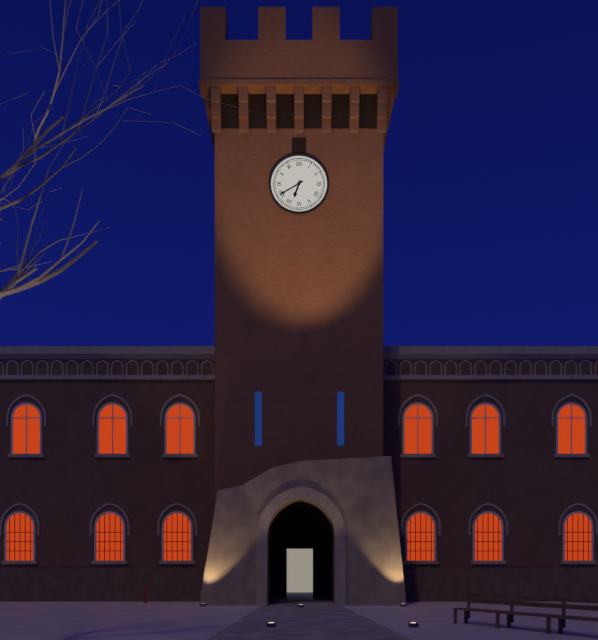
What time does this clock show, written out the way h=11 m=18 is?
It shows h=6 m=40
